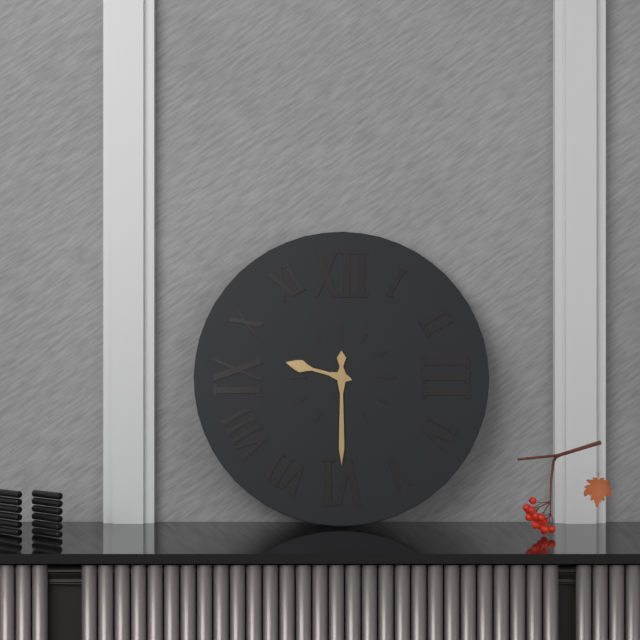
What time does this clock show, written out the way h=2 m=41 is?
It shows h=9 m=30
